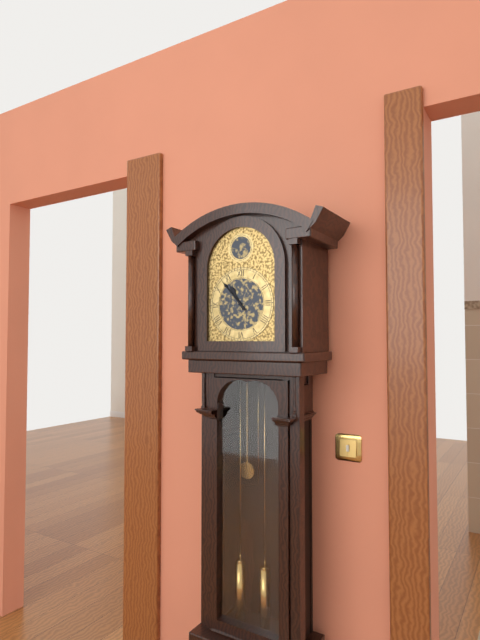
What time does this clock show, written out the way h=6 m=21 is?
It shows h=10 m=53
